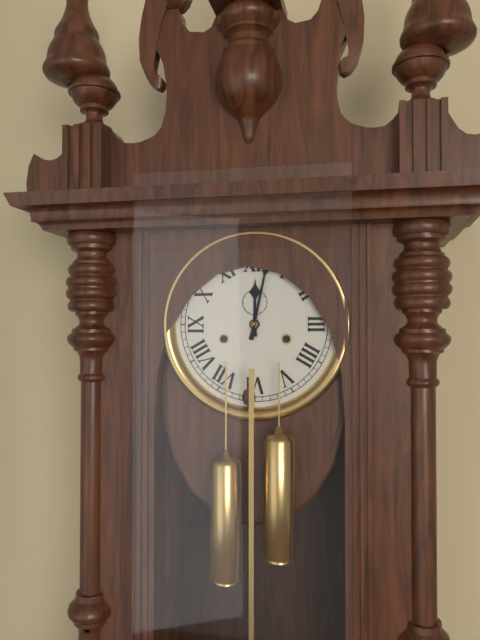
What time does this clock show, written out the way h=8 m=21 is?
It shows h=12 m=2
